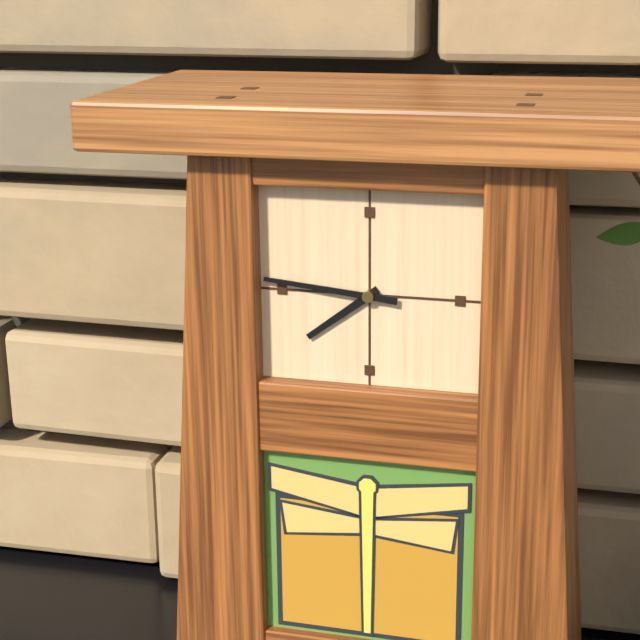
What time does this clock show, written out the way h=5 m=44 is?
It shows h=7 m=46
